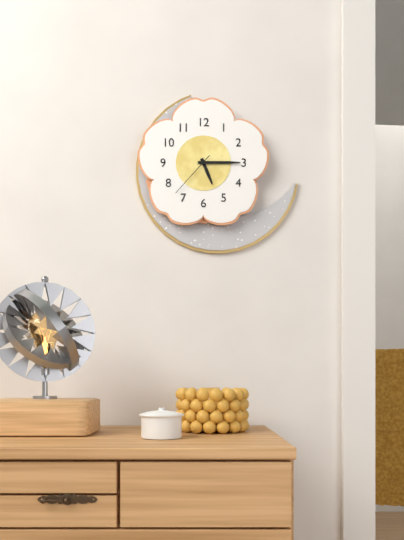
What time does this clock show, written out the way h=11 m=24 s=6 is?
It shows h=5 m=15 s=37
